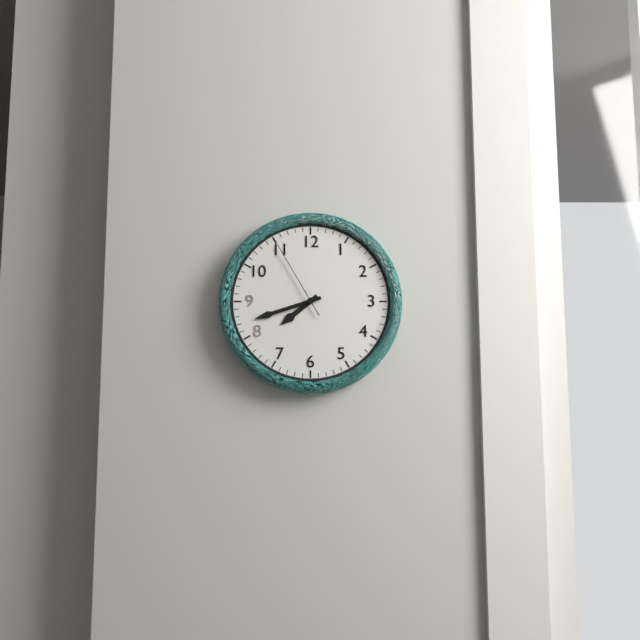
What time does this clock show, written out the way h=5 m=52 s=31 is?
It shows h=7 m=42 s=55
